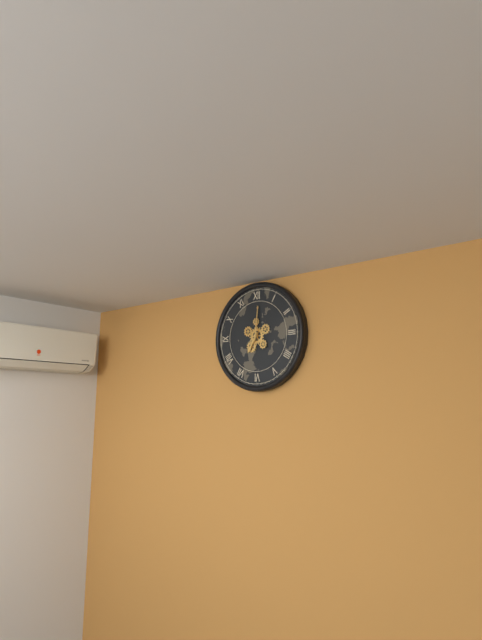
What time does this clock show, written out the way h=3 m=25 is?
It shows h=7 m=1
